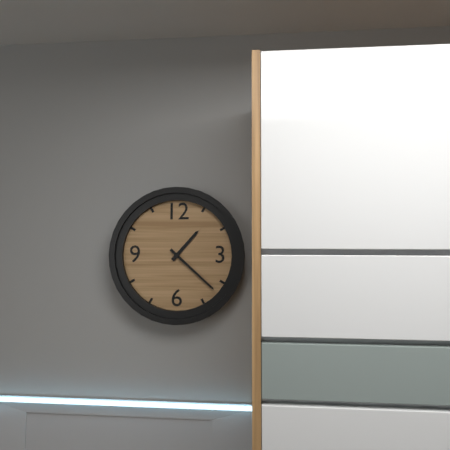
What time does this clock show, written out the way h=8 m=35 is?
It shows h=1 m=22
